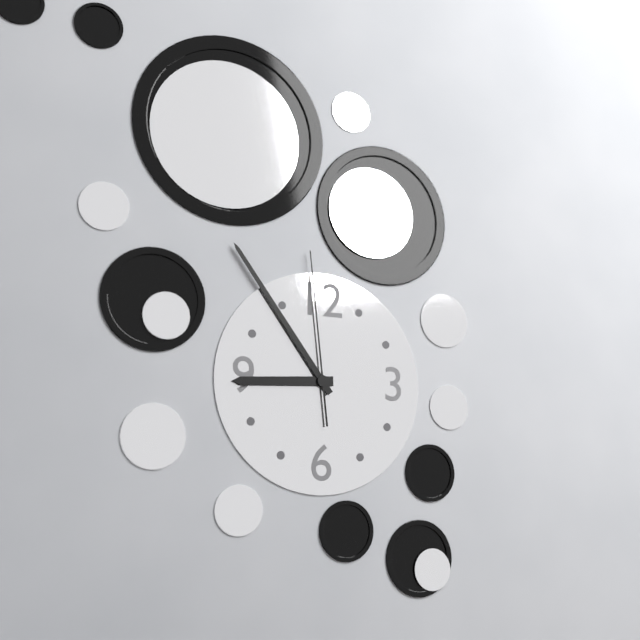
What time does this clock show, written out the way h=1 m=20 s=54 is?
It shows h=8 m=54 s=59
